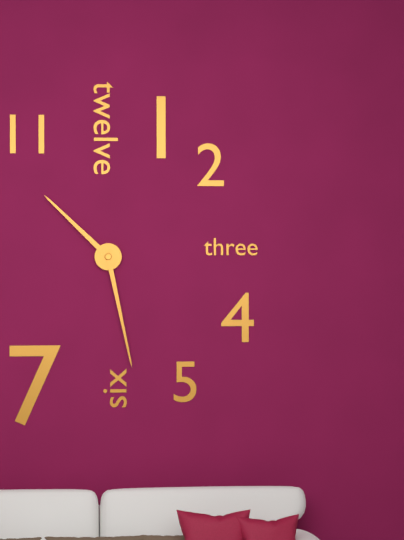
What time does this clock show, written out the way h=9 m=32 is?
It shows h=10 m=28
